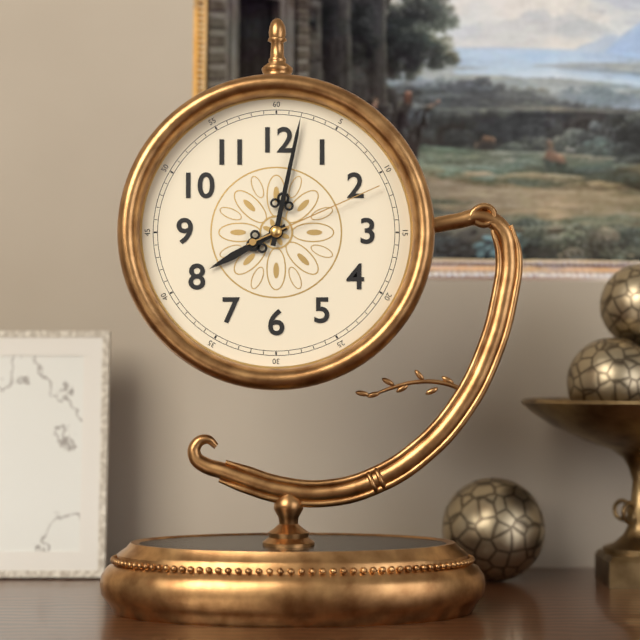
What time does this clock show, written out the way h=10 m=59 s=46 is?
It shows h=8 m=2 s=11
